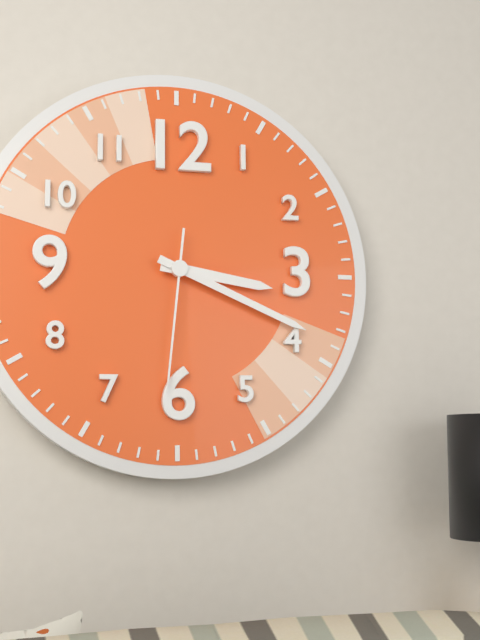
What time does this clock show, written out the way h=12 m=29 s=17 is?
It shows h=3 m=19 s=31
